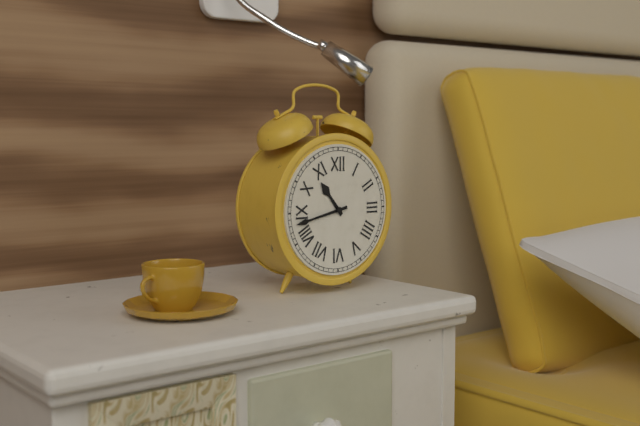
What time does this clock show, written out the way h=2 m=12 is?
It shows h=10 m=43
